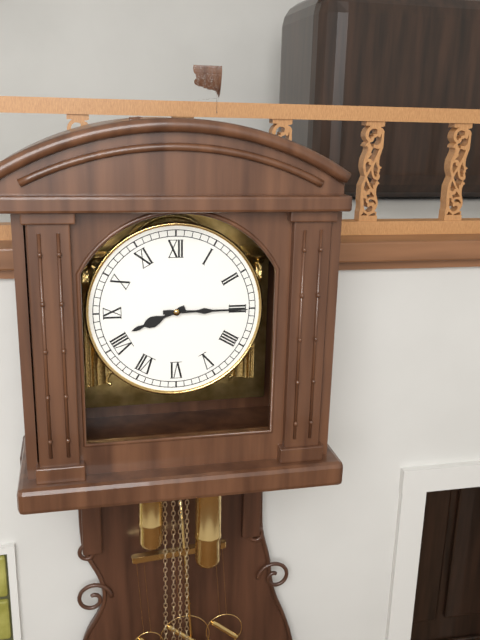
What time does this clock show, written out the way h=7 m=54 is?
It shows h=8 m=15
